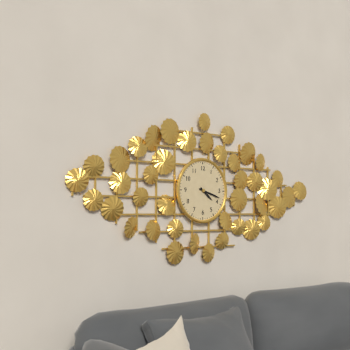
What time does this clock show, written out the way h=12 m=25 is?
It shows h=4 m=18
